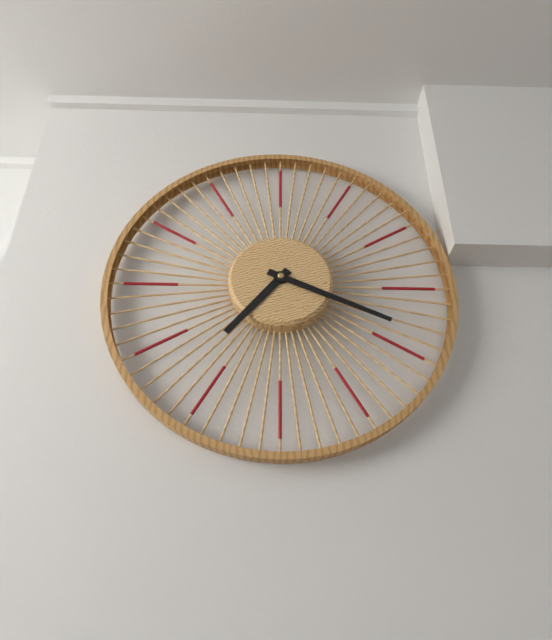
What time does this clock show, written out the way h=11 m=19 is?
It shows h=7 m=19
